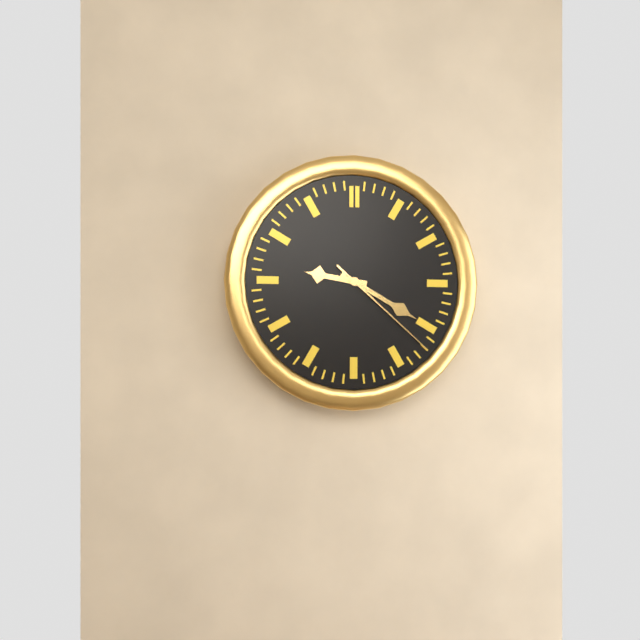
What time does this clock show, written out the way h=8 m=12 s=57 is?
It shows h=9 m=20 s=22
